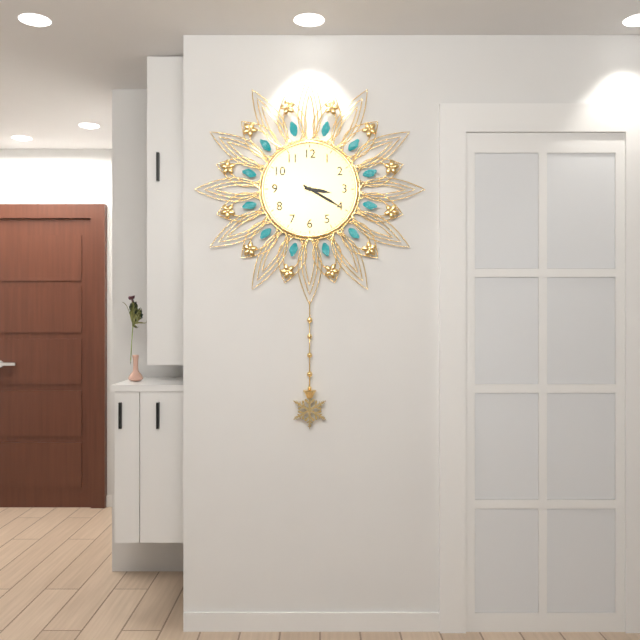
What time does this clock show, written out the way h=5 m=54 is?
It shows h=3 m=20
